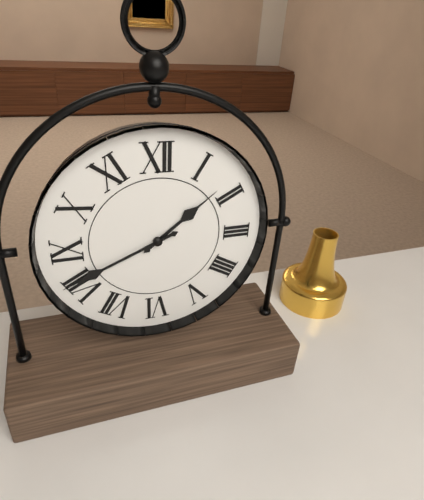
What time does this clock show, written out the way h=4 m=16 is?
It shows h=1 m=41
